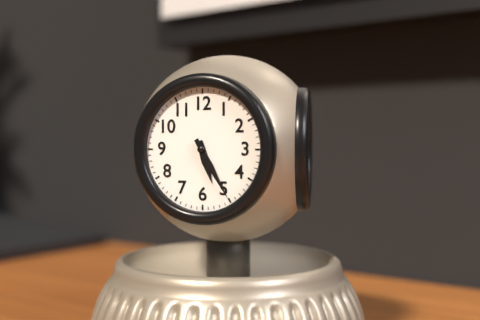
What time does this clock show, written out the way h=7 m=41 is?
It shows h=5 m=25
